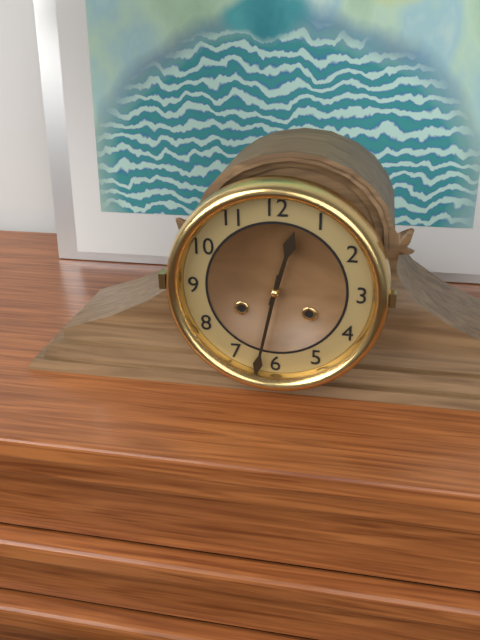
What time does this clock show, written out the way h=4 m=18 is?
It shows h=12 m=32
